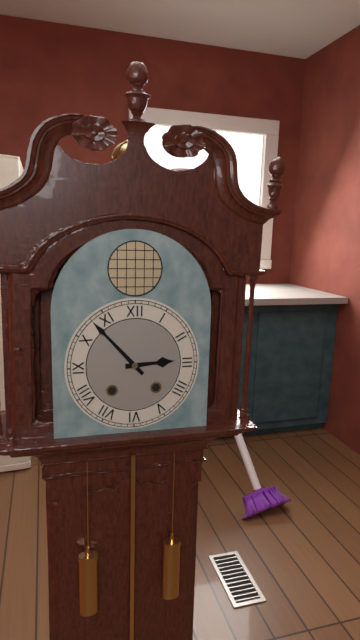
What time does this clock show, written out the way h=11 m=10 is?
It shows h=2 m=53
